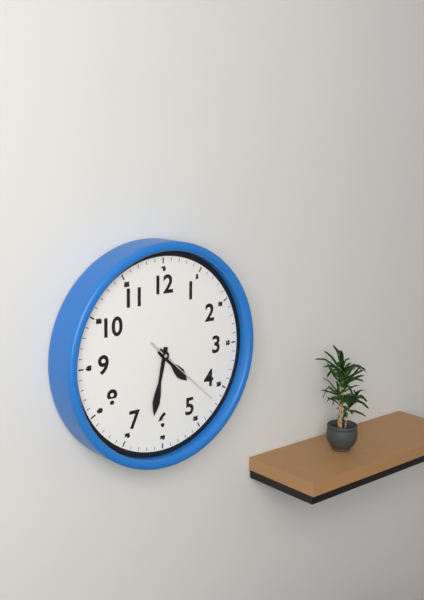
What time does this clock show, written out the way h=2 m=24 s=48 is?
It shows h=4 m=32 s=22
